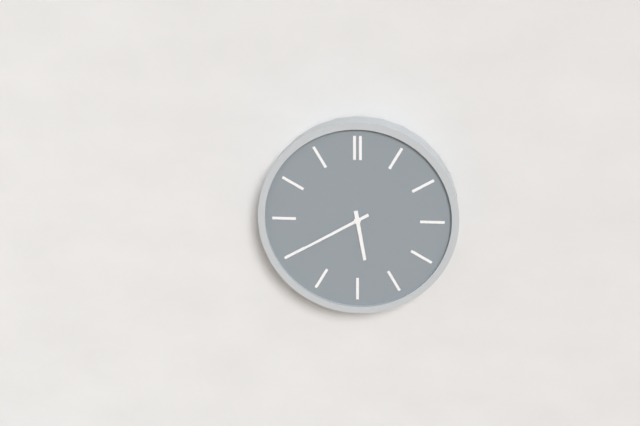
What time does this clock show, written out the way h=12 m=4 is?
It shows h=5 m=40
